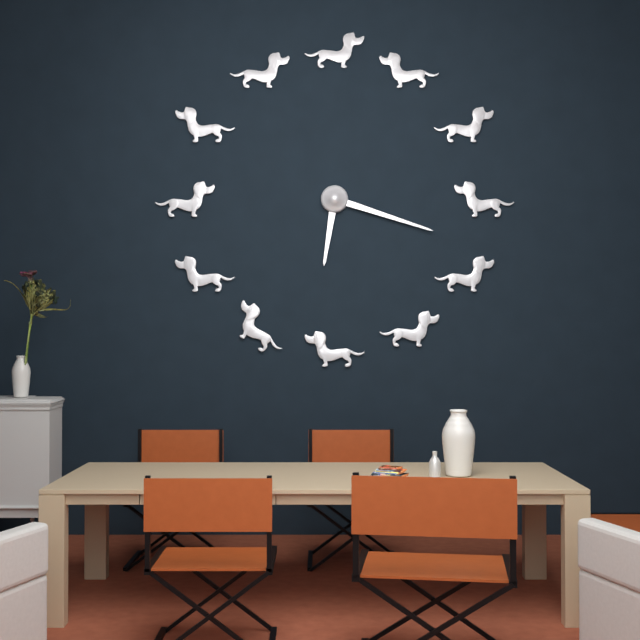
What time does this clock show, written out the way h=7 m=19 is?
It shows h=6 m=18
